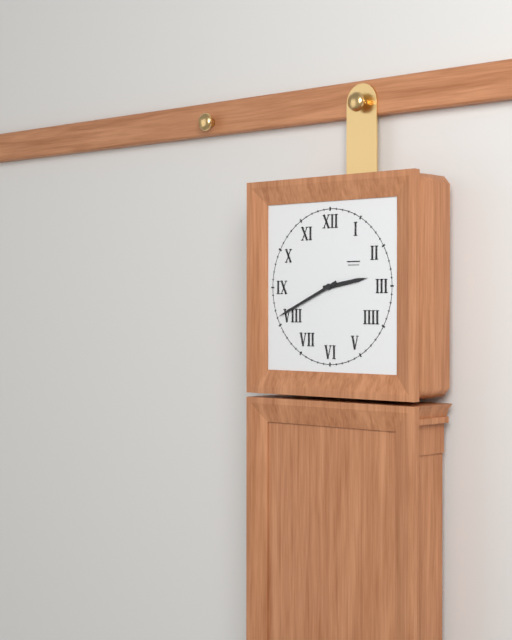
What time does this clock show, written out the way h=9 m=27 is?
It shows h=2 m=41
